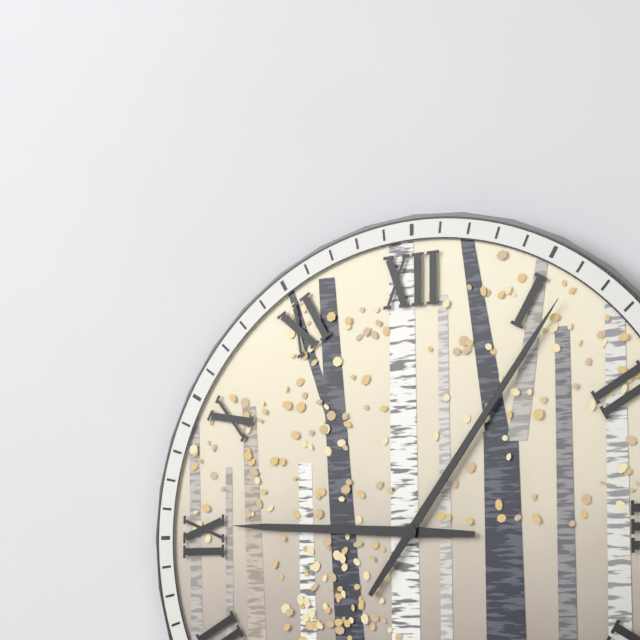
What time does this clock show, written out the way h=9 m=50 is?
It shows h=9 m=6
